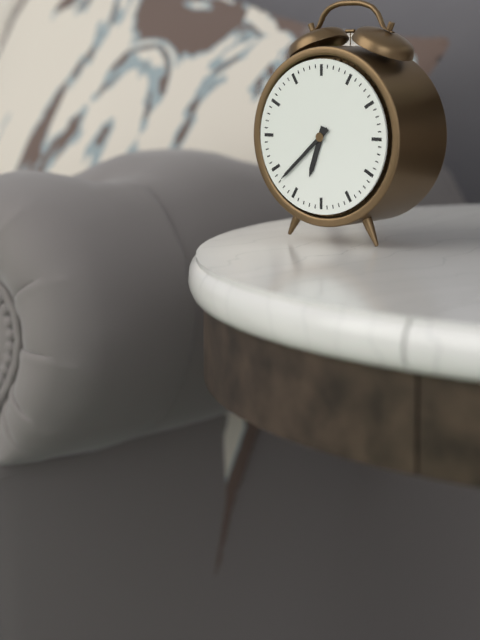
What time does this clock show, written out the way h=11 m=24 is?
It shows h=6 m=38
